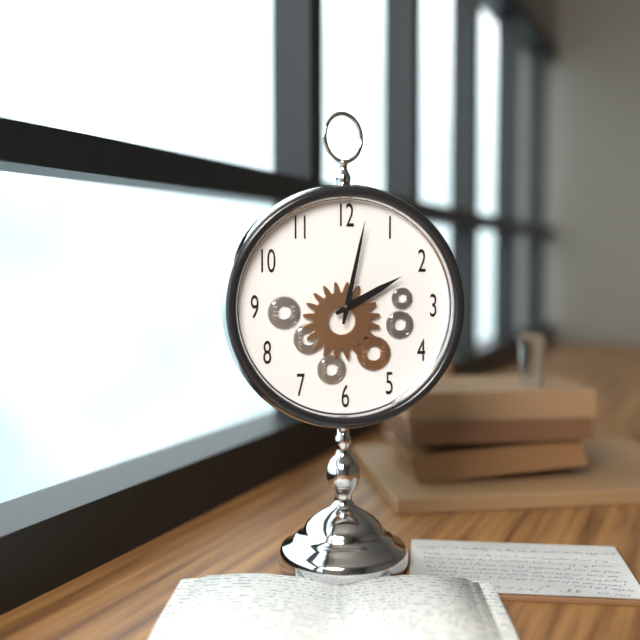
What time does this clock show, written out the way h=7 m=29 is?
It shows h=2 m=2
